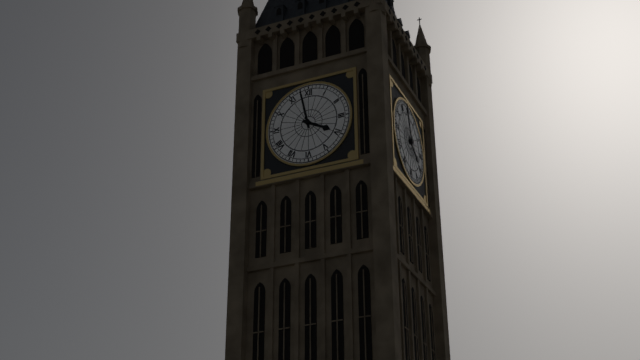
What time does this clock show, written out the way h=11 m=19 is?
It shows h=3 m=58
